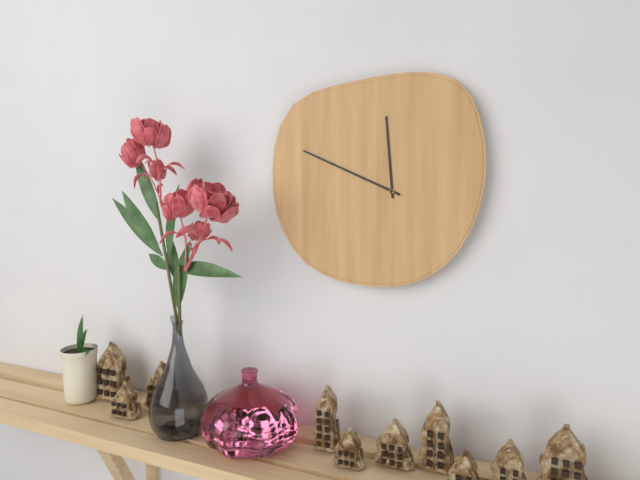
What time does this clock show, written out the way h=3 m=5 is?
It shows h=11 m=49
